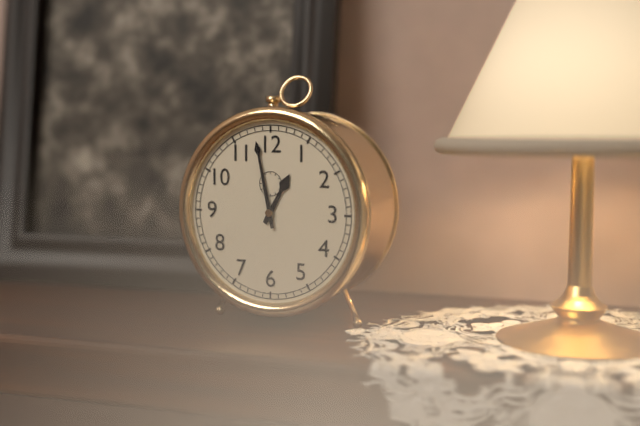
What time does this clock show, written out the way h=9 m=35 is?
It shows h=12 m=58
